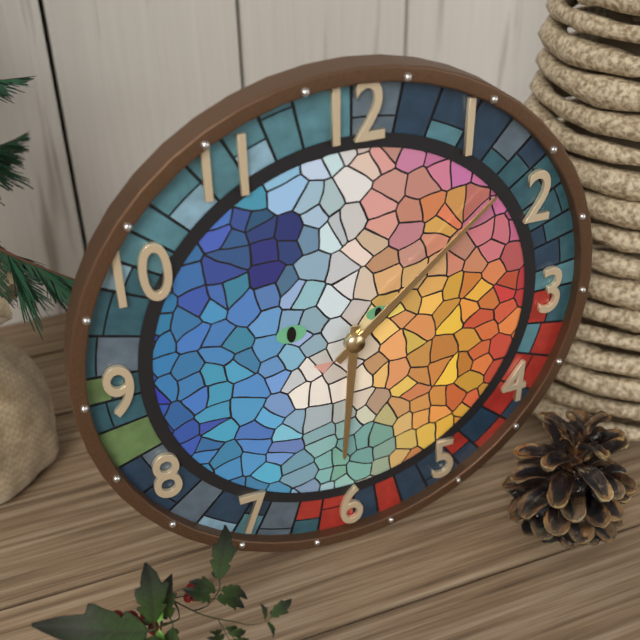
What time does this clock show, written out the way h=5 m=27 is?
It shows h=6 m=8
